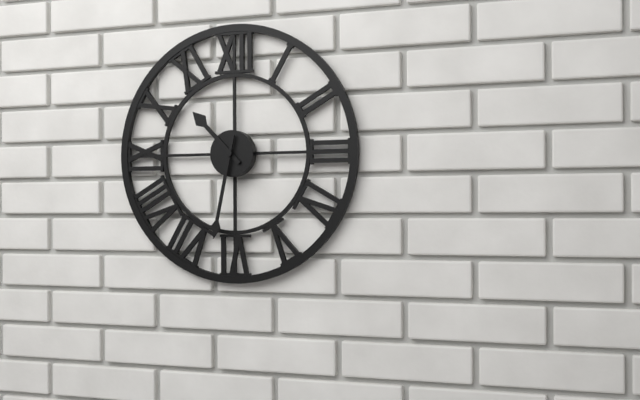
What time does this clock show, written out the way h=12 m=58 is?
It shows h=10 m=32
